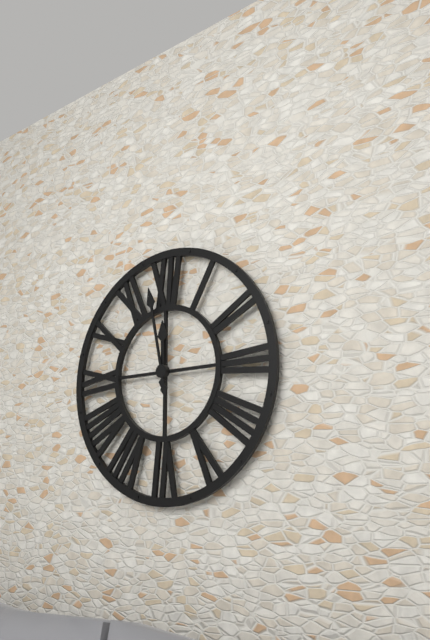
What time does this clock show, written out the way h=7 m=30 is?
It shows h=11 m=58
